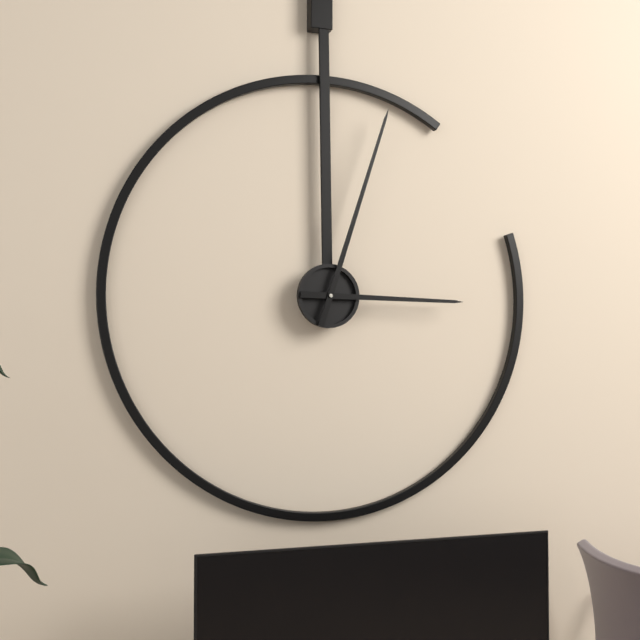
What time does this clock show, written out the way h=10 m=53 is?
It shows h=3 m=3
